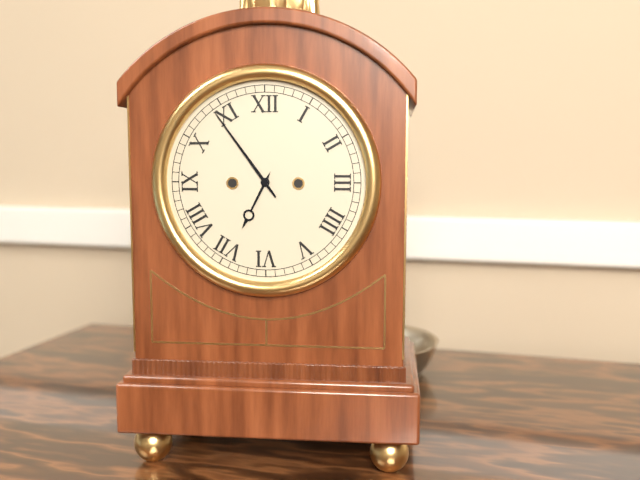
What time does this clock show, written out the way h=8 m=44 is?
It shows h=6 m=54
